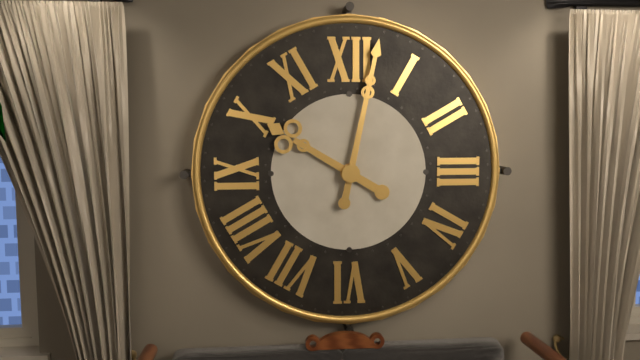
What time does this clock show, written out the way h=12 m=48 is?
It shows h=10 m=2
